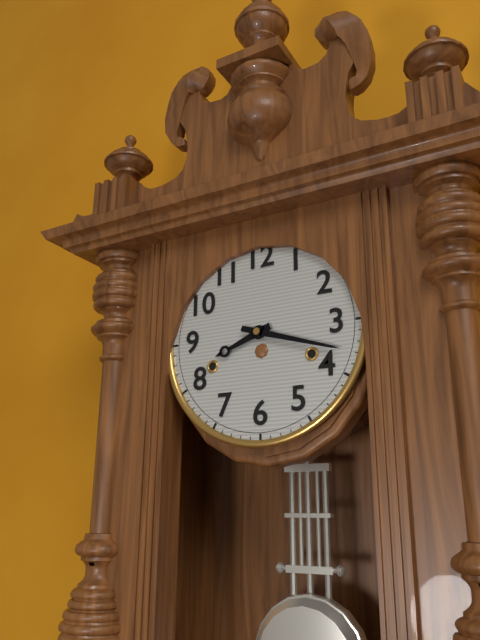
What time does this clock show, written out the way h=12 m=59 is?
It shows h=8 m=18
